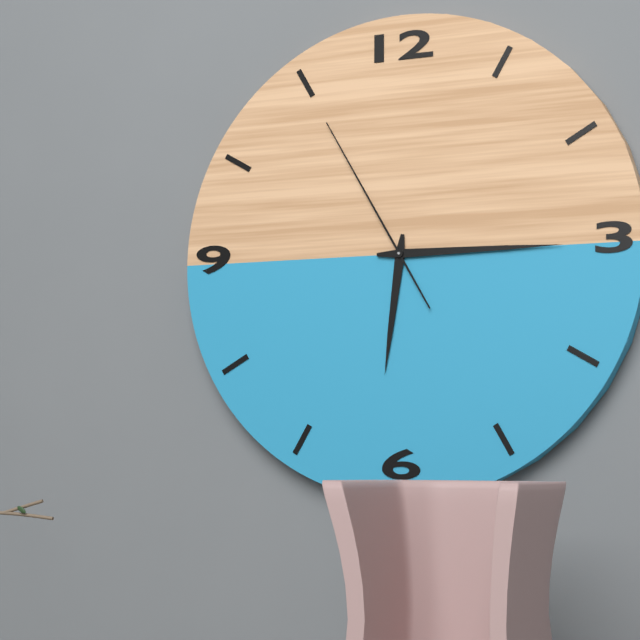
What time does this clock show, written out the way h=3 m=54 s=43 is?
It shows h=6 m=15 s=55
